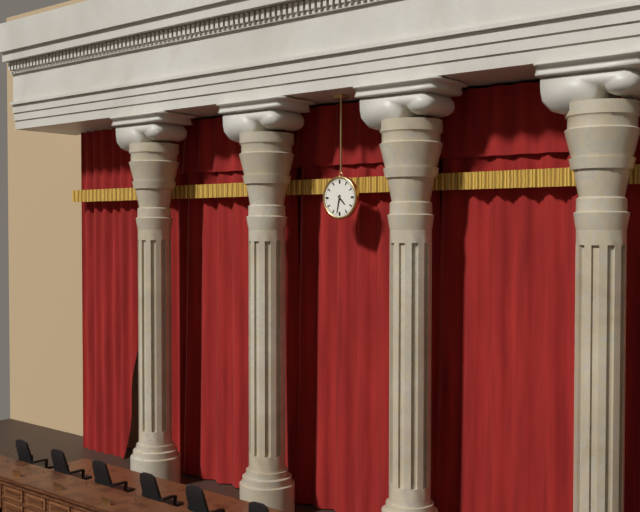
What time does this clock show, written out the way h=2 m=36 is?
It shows h=4 m=32
